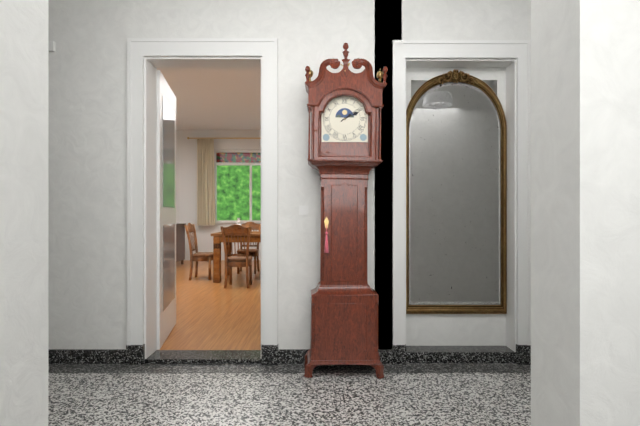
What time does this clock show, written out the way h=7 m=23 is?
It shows h=2 m=9
